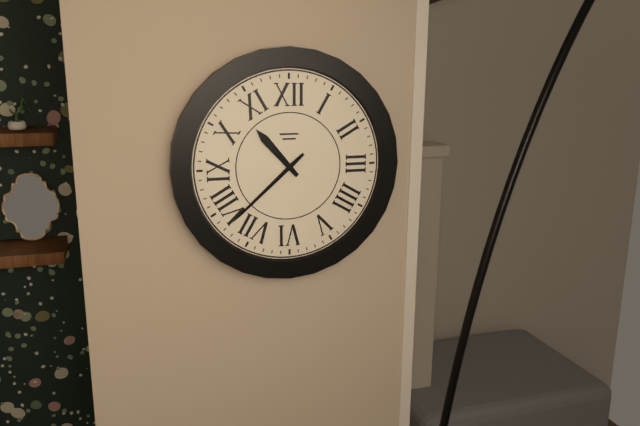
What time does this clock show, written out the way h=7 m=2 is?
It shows h=10 m=38
